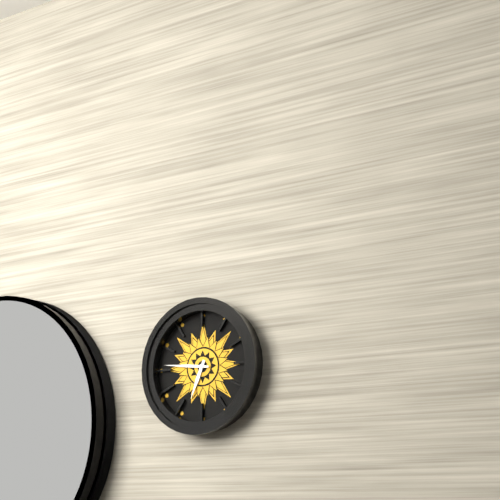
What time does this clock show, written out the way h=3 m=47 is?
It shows h=6 m=46
